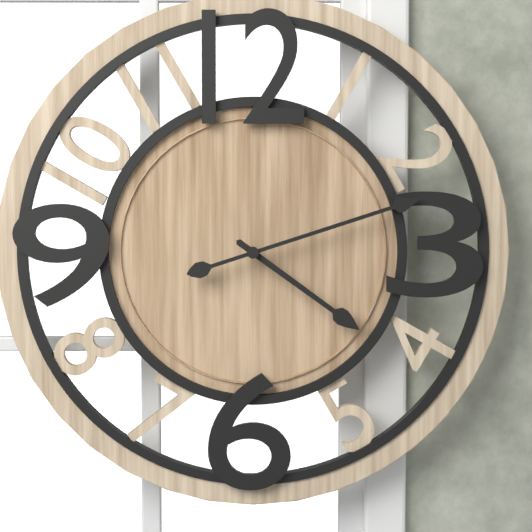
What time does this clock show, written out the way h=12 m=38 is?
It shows h=4 m=12
